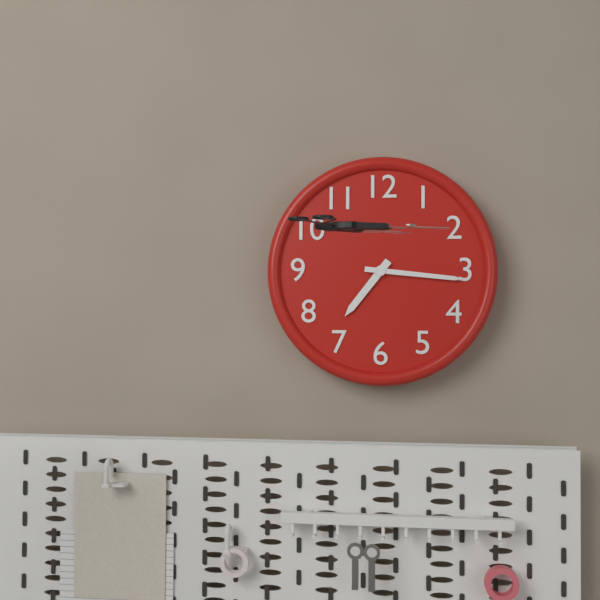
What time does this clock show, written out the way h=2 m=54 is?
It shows h=7 m=16
